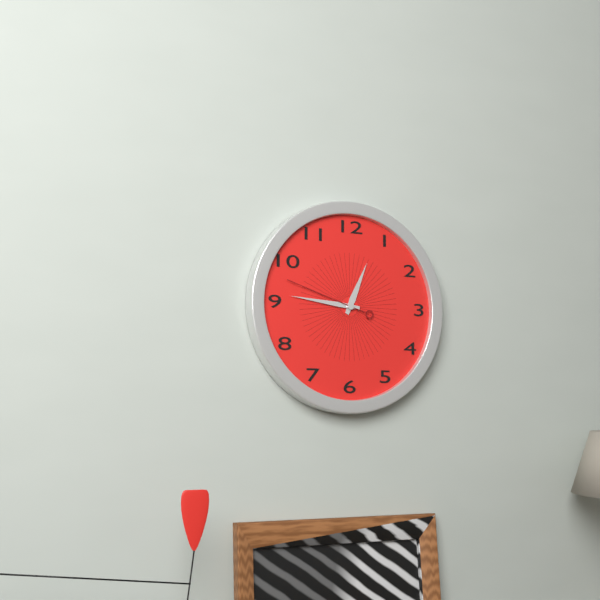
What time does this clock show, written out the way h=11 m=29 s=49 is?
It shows h=12 m=46 s=48
